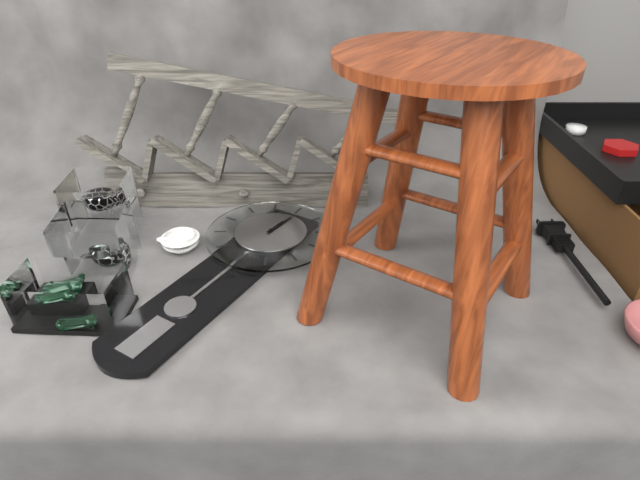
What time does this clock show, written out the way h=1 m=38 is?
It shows h=12 m=1
